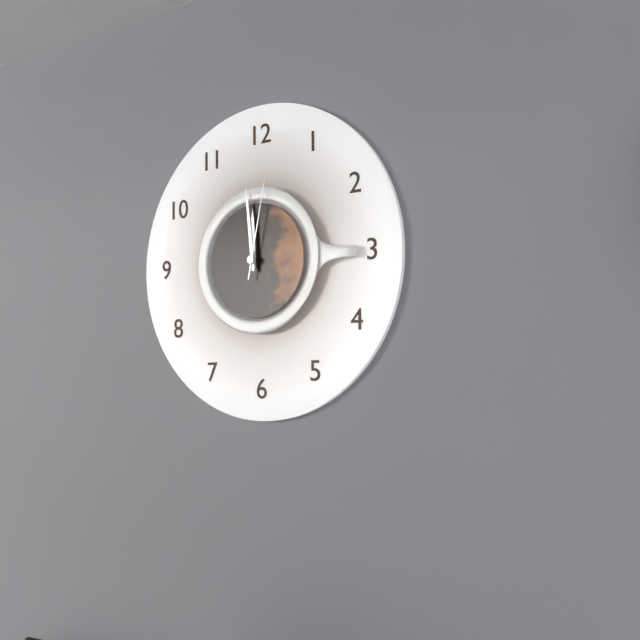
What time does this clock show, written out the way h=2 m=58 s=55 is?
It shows h=11 m=59 s=2
